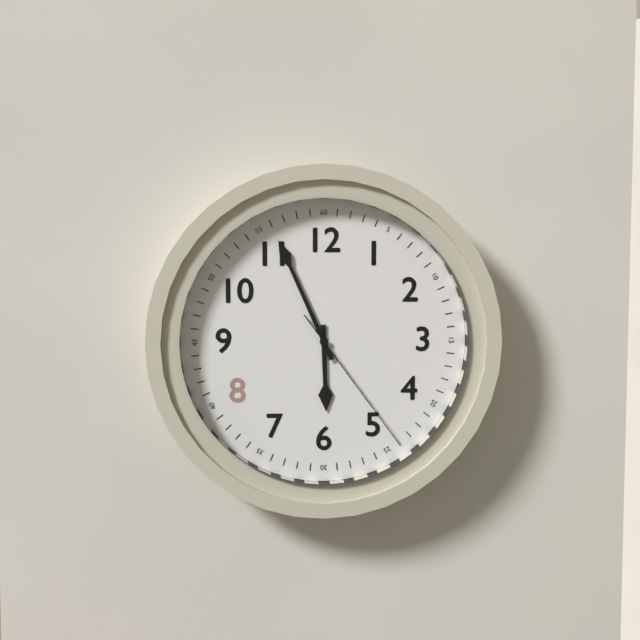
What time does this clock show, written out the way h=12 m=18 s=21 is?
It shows h=5 m=56 s=24
